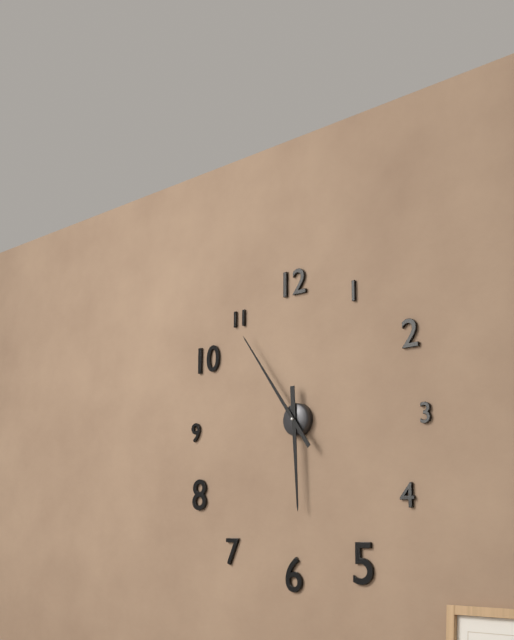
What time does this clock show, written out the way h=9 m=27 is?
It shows h=5 m=54
